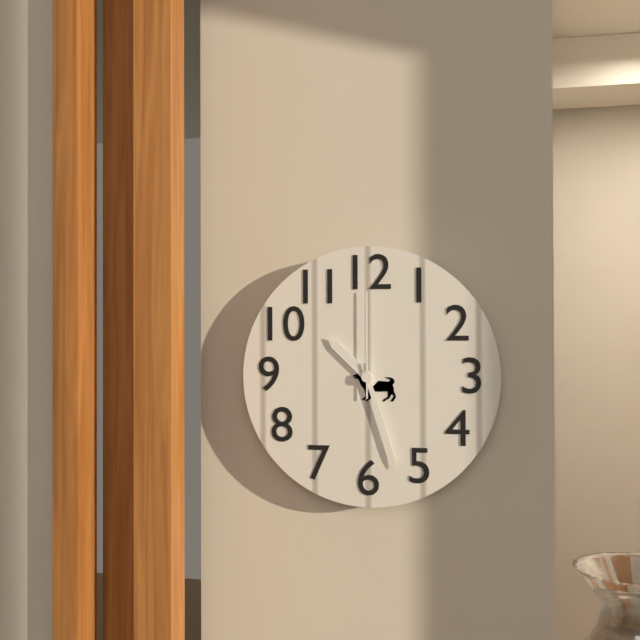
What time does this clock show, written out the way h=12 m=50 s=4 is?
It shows h=10 m=27 s=0
